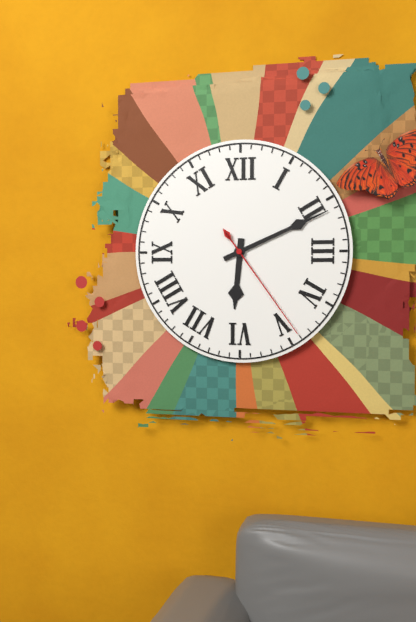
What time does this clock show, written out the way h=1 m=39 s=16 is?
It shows h=6 m=11 s=24
